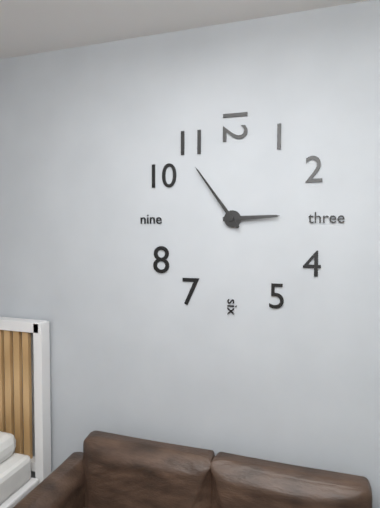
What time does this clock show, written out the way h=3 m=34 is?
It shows h=2 m=54
